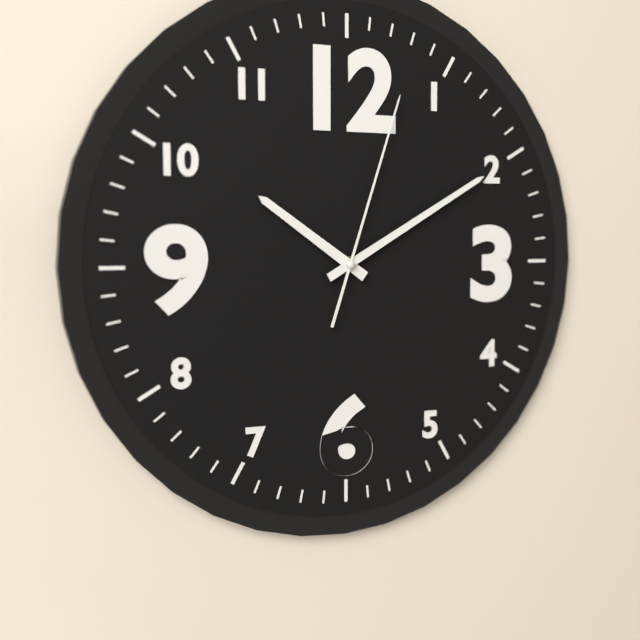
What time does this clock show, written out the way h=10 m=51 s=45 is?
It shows h=10 m=10 s=3
